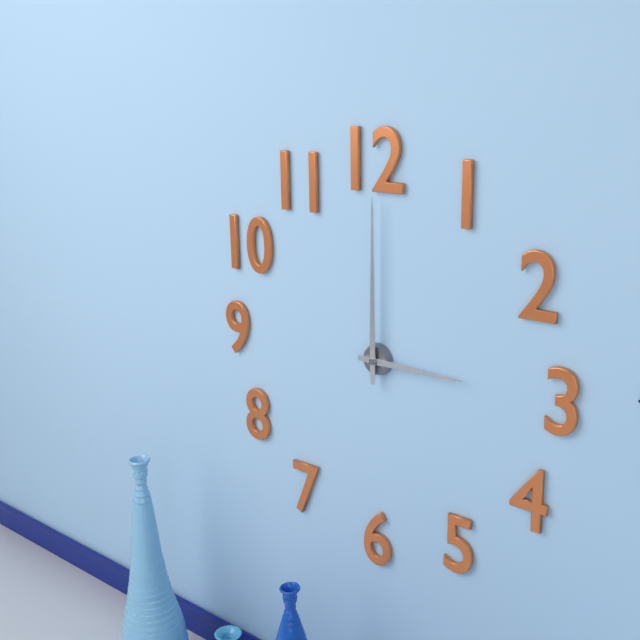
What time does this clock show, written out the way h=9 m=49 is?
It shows h=3 m=0
